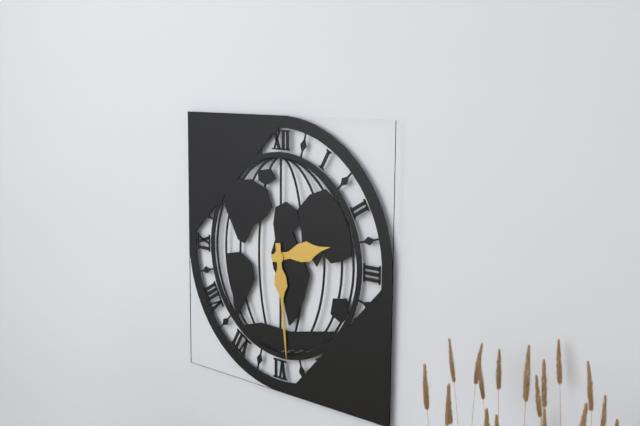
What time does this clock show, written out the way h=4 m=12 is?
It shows h=2 m=29
